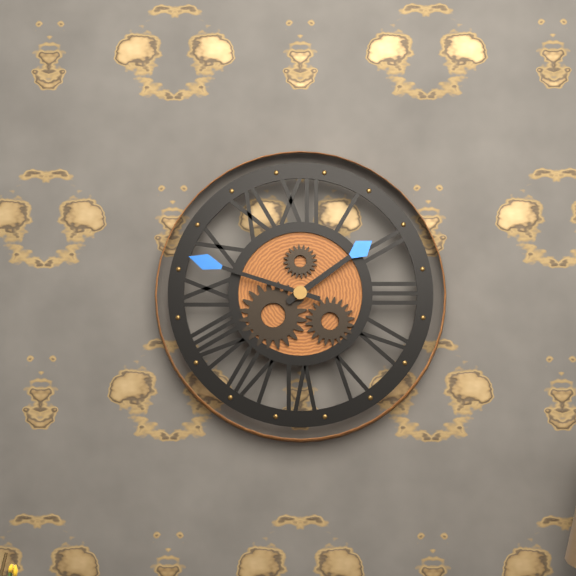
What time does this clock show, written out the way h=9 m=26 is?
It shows h=1 m=48
